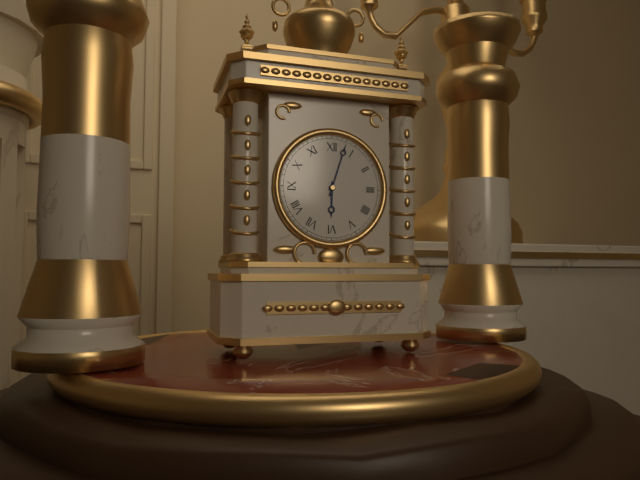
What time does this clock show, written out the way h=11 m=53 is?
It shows h=6 m=3
